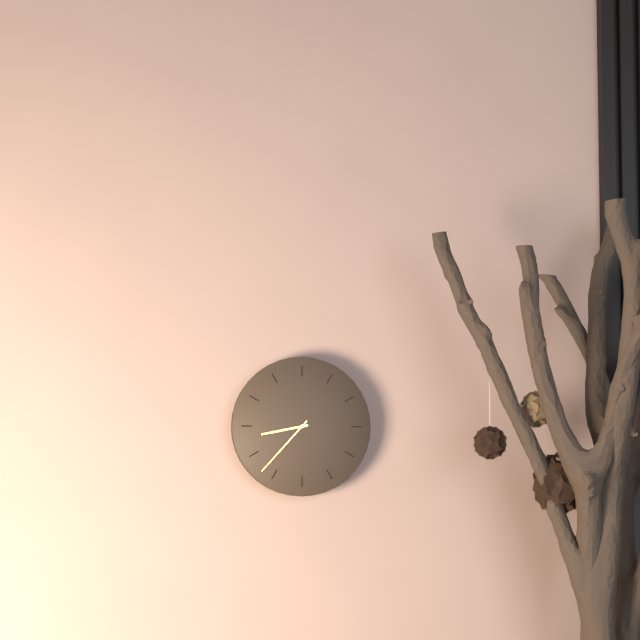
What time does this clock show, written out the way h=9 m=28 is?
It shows h=8 m=37
